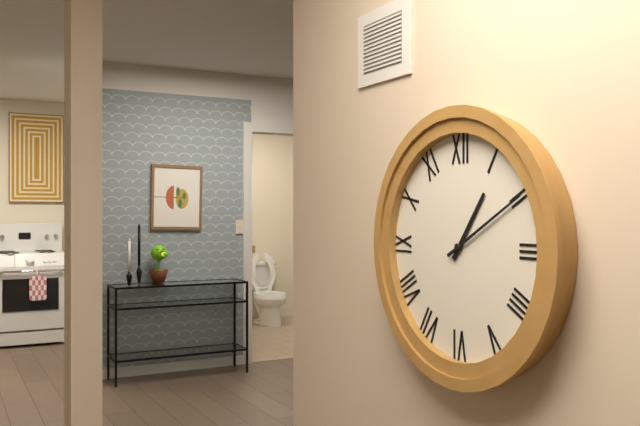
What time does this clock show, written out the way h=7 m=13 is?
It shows h=1 m=10
